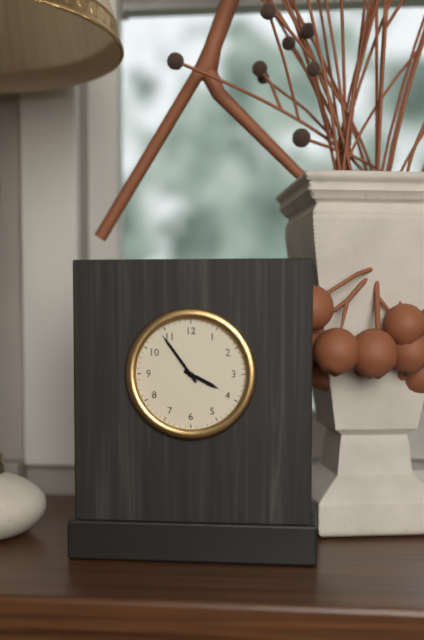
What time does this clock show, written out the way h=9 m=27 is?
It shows h=3 m=54
